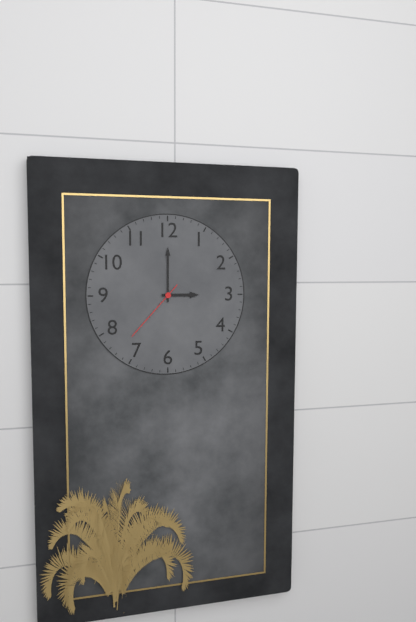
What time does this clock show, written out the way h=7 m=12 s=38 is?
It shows h=3 m=0 s=37
